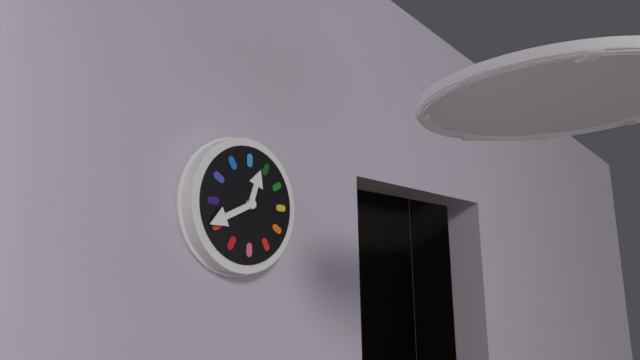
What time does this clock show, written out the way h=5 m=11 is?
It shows h=12 m=41
